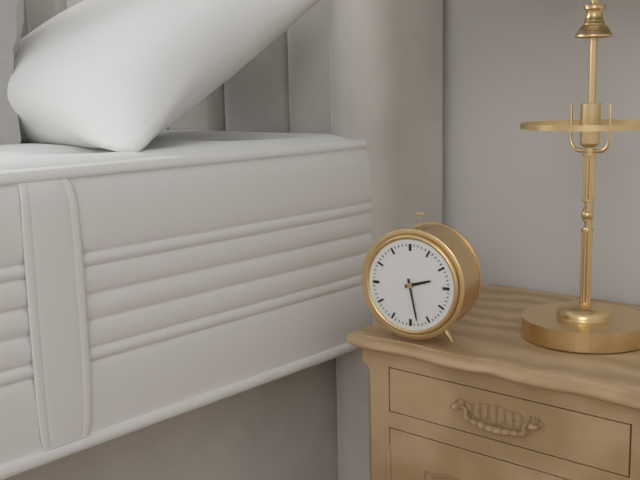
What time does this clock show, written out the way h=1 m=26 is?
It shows h=2 m=28
